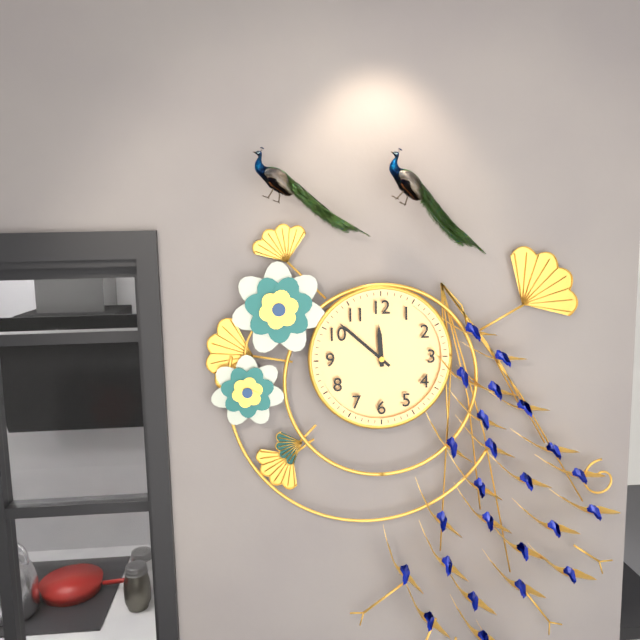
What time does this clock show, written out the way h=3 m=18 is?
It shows h=11 m=52
